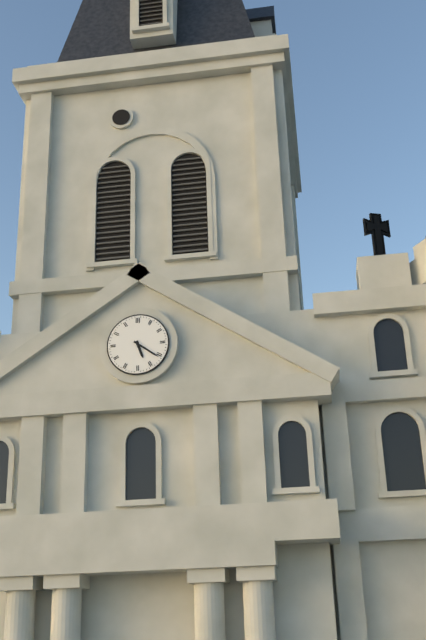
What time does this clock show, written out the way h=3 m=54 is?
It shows h=5 m=21
